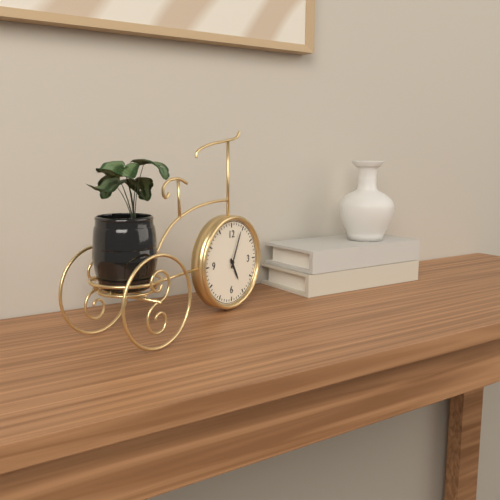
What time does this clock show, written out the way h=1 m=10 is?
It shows h=5 m=4
